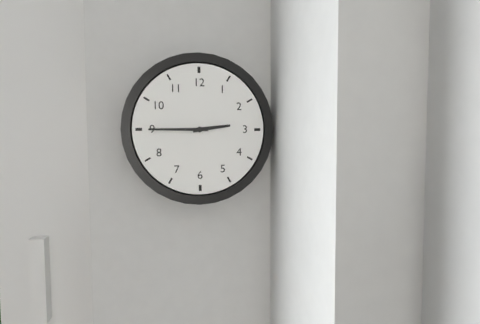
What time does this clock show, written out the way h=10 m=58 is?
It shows h=2 m=45
